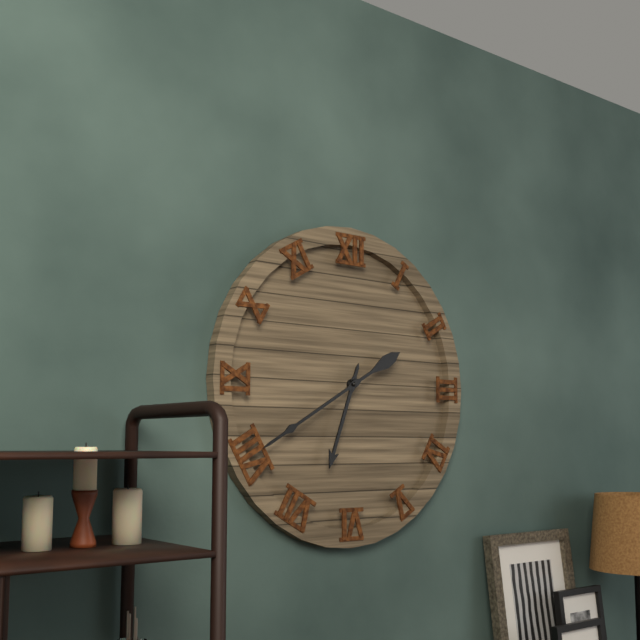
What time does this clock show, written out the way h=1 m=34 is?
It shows h=6 m=40
